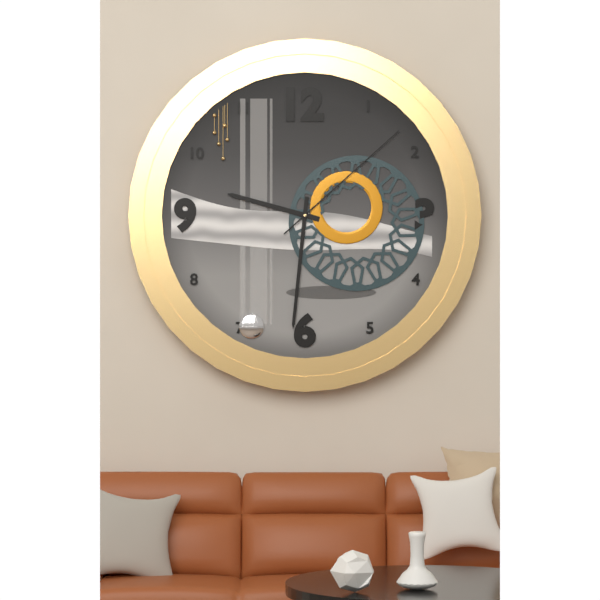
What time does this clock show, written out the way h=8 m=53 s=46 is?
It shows h=9 m=31 s=8
